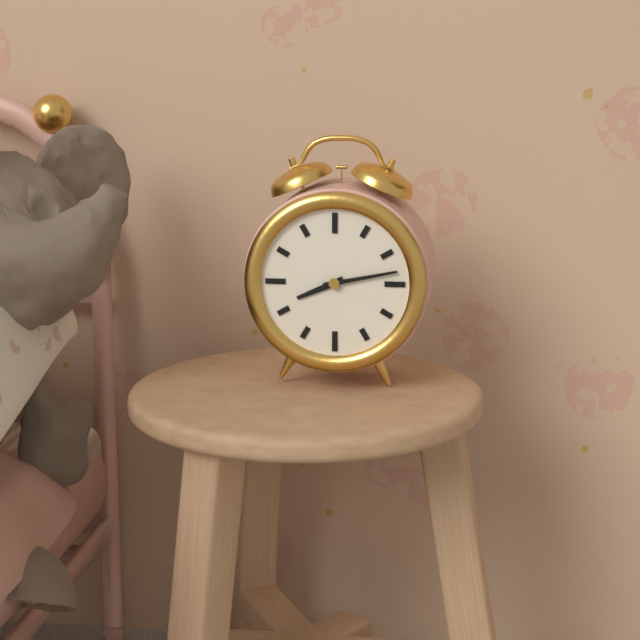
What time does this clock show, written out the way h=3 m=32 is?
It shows h=8 m=13
